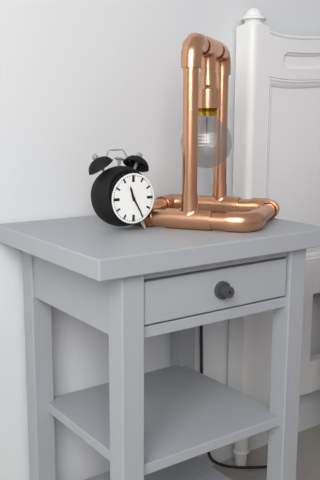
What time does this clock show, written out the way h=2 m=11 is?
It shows h=11 m=25
